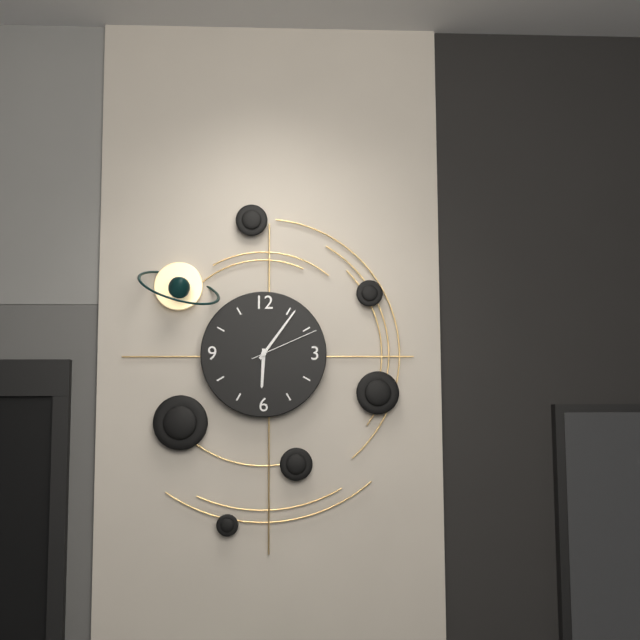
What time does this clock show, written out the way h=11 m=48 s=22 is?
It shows h=6 m=6 s=11
